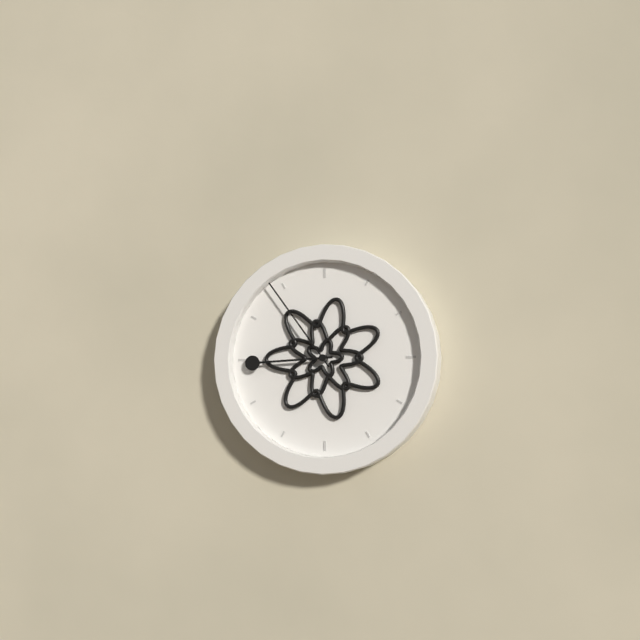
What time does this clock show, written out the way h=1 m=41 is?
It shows h=8 m=54
